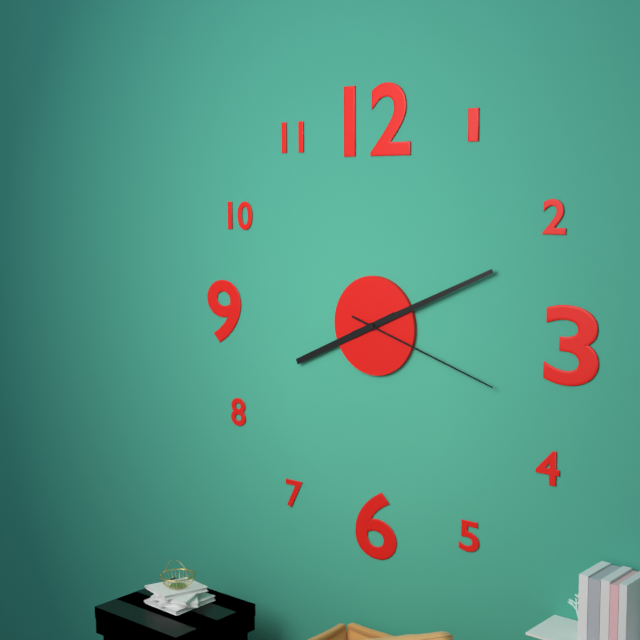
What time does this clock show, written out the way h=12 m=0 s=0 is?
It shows h=8 m=11 s=18
